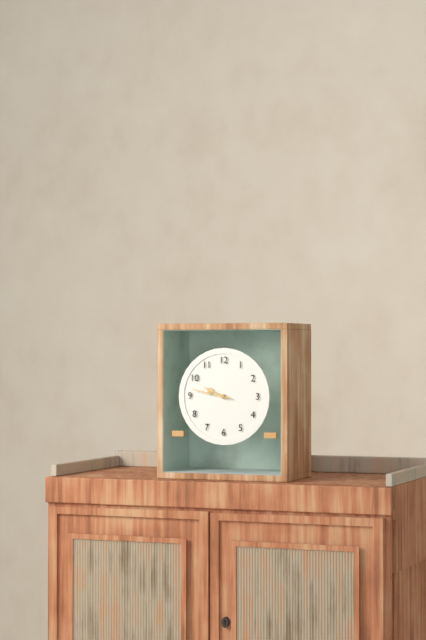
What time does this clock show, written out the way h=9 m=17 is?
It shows h=9 m=47
